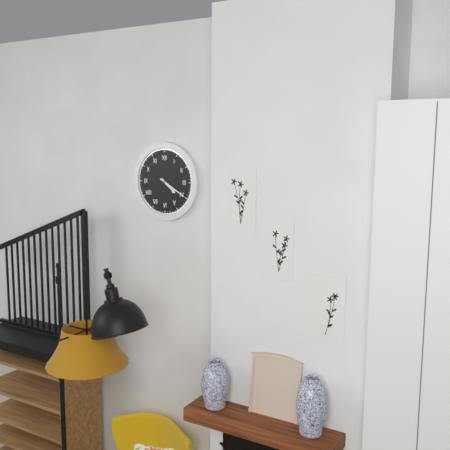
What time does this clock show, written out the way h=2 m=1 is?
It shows h=4 m=20
